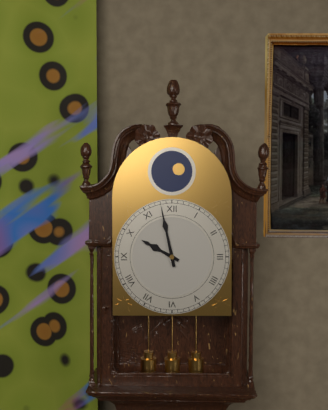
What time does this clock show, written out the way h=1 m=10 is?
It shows h=9 m=58
